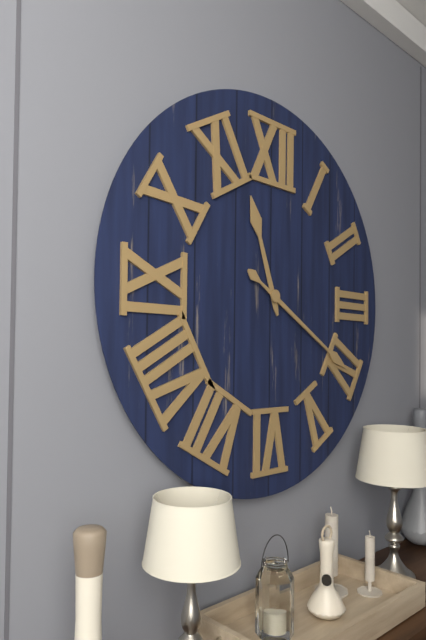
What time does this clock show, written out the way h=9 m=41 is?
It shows h=11 m=20
